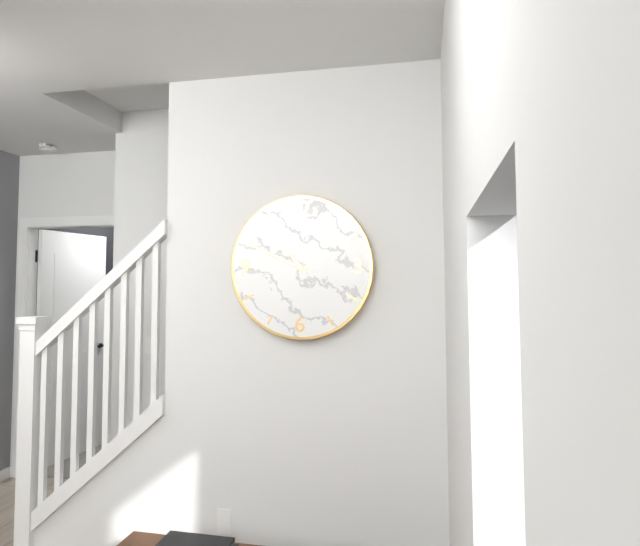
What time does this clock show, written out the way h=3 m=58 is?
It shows h=10 m=49
